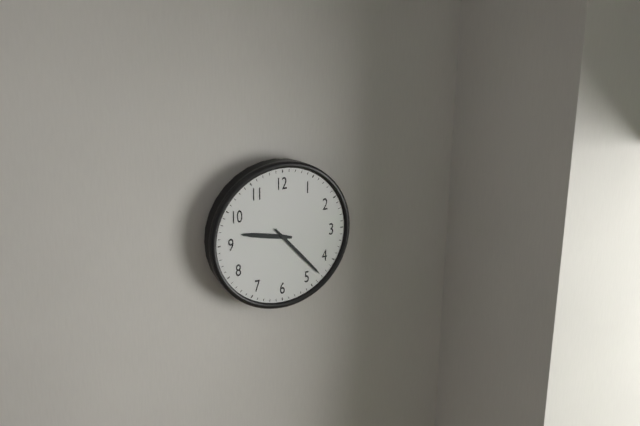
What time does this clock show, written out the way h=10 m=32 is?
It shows h=9 m=23
